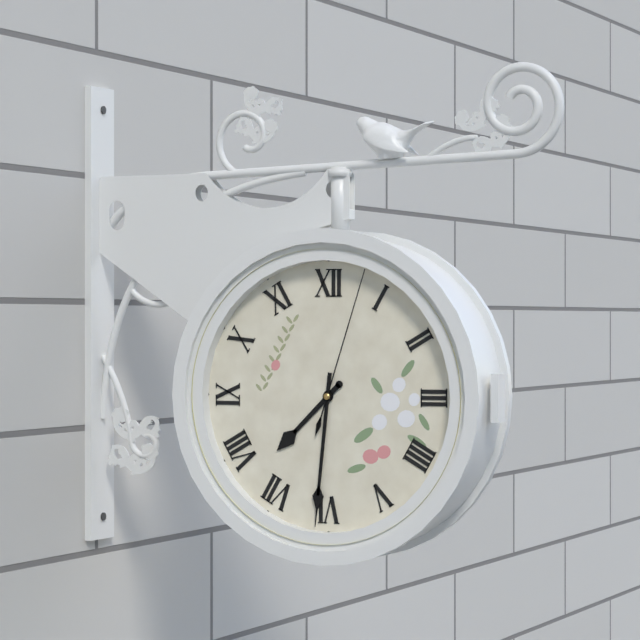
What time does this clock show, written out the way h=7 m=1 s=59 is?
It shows h=7 m=31 s=3
